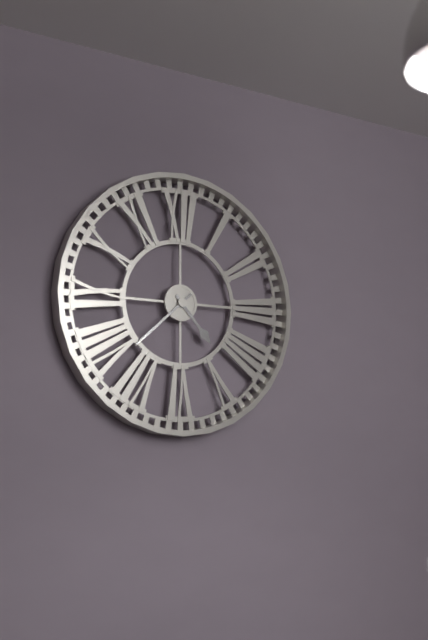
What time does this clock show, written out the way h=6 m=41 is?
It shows h=4 m=38
